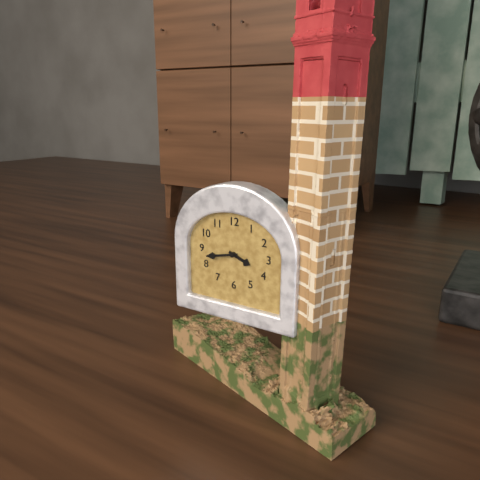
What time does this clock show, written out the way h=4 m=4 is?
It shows h=3 m=43
